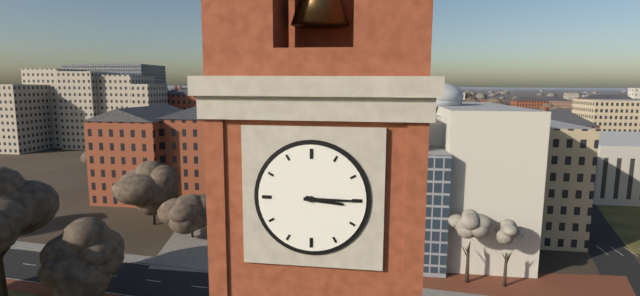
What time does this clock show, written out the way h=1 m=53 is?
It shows h=3 m=15
